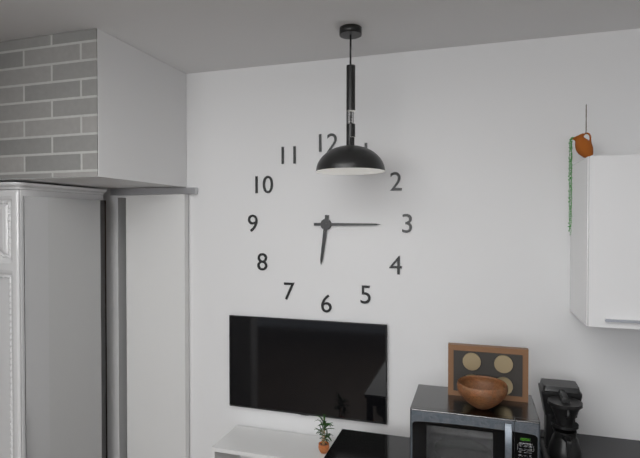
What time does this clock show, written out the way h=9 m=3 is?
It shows h=6 m=15
